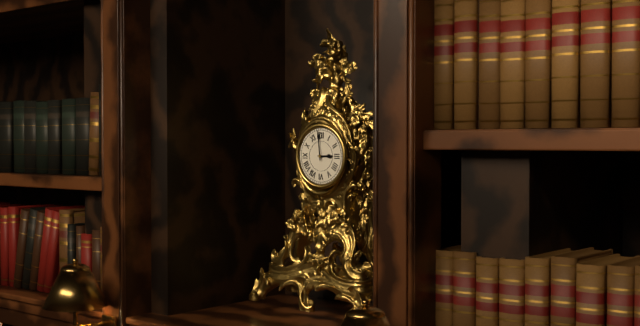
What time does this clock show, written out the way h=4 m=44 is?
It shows h=2 m=59
